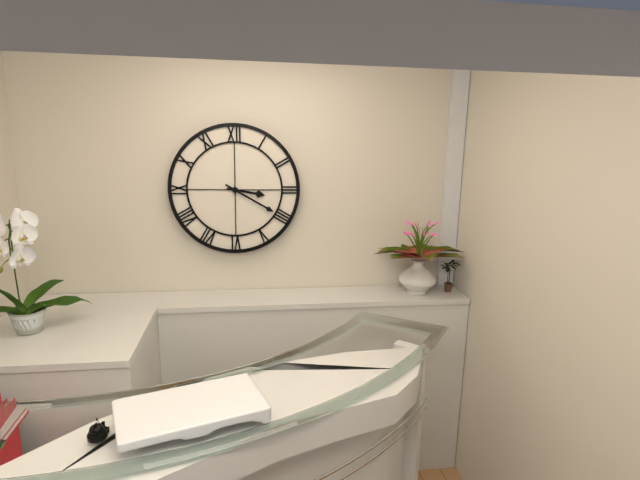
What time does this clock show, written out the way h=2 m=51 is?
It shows h=3 m=20
